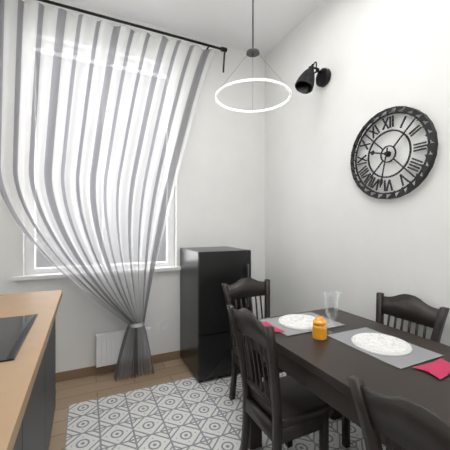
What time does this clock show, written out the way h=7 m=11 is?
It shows h=9 m=32
